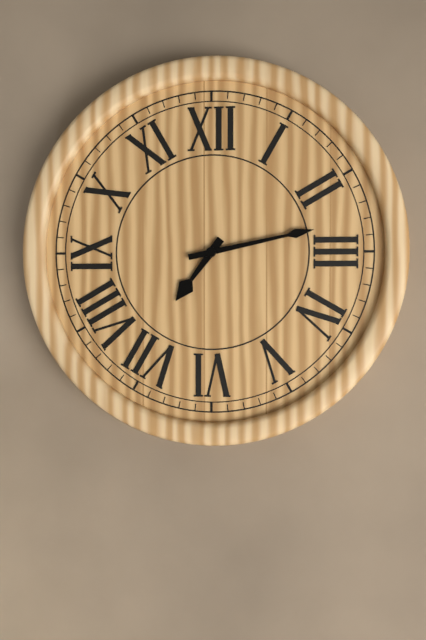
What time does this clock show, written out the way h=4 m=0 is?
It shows h=7 m=13
